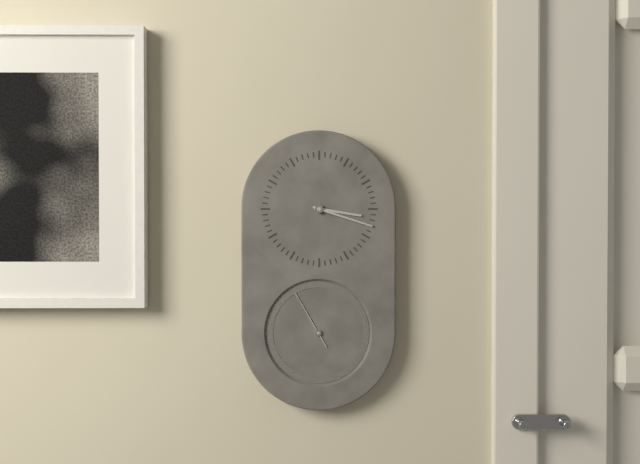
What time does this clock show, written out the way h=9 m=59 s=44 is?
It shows h=3 m=18 s=55
